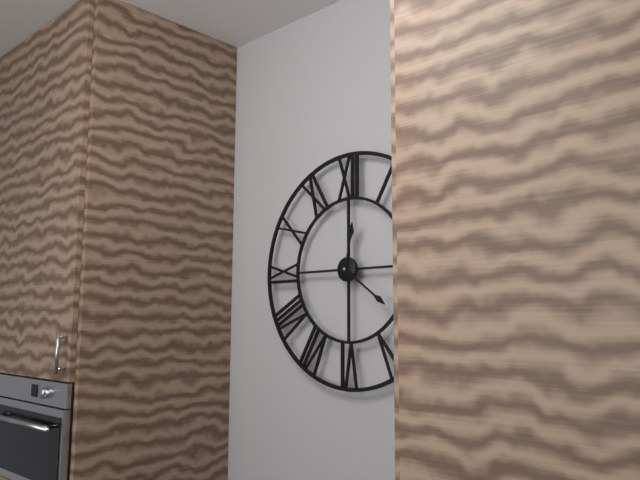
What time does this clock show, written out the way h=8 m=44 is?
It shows h=12 m=21
